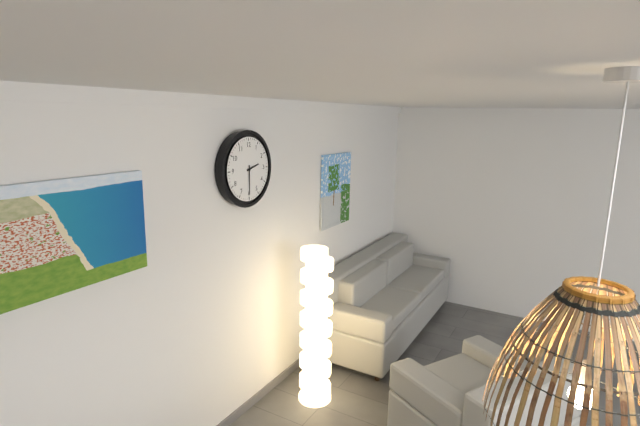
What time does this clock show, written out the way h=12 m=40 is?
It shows h=2 m=30
